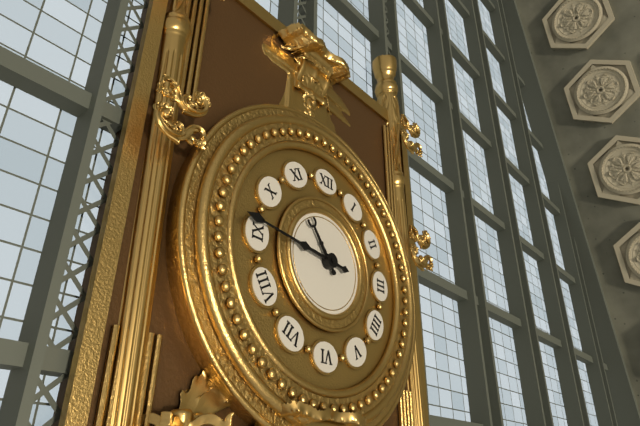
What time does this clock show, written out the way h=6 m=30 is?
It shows h=10 m=46
